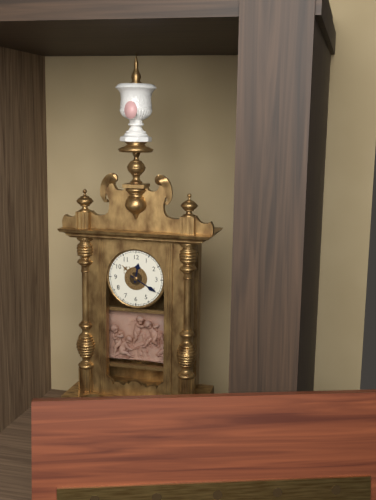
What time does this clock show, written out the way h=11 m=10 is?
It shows h=12 m=20
